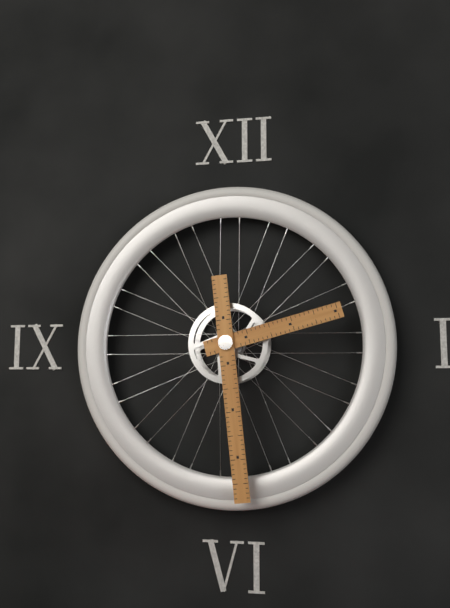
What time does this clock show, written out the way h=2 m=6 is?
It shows h=2 m=29
